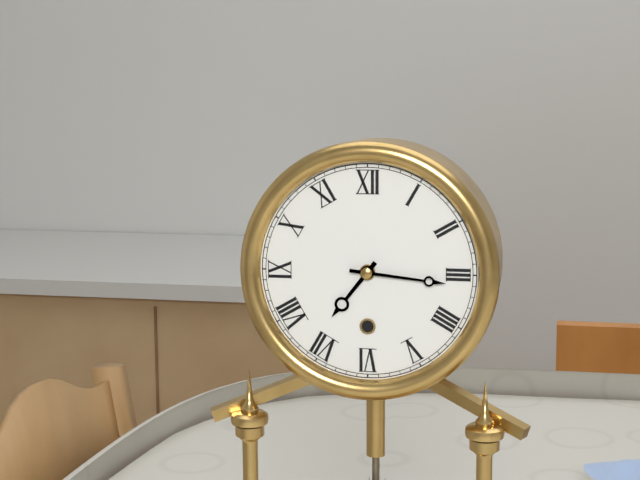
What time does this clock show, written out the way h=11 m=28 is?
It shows h=7 m=16
